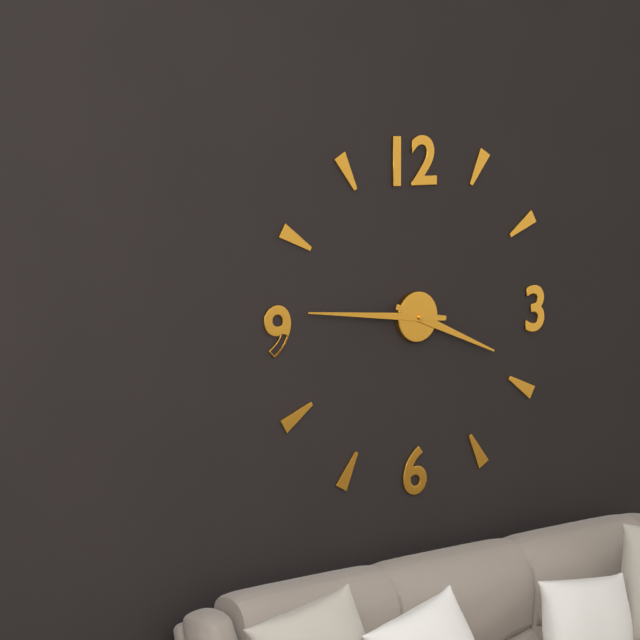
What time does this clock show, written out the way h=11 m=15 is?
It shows h=3 m=46
